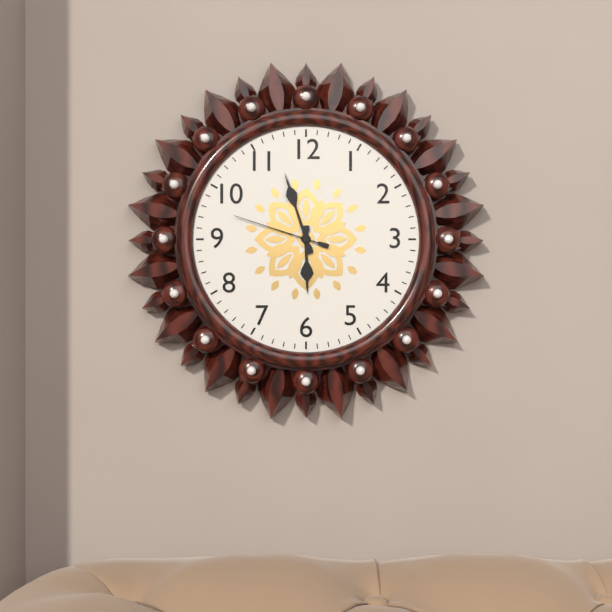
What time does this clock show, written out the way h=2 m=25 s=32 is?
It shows h=5 m=57 s=48
